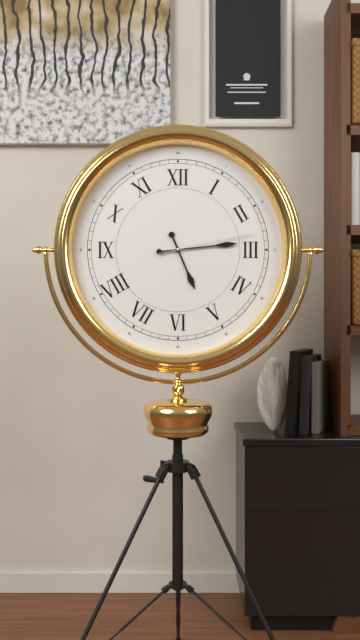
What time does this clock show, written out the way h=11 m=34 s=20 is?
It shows h=5 m=14 s=13
